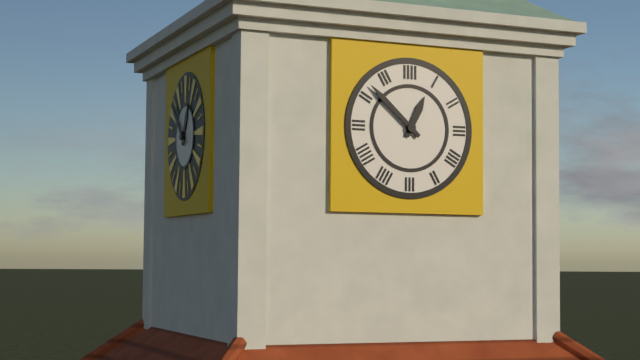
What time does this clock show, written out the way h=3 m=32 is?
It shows h=12 m=52
